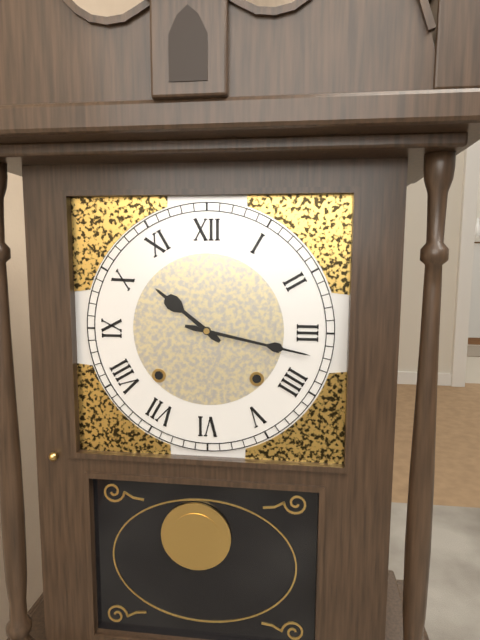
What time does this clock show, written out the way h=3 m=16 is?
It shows h=10 m=17
